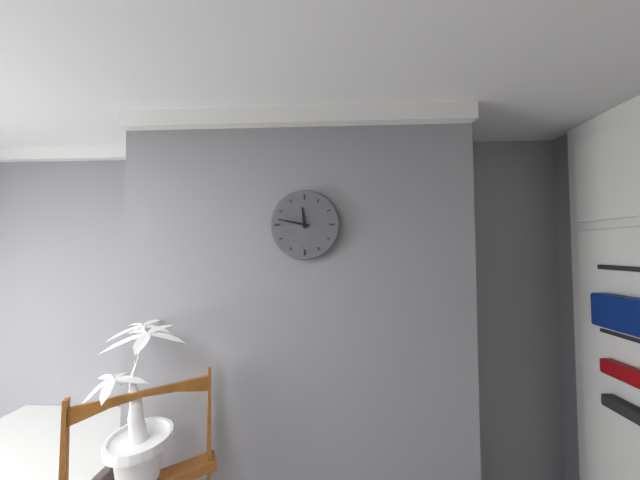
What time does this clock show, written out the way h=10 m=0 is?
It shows h=11 m=47
